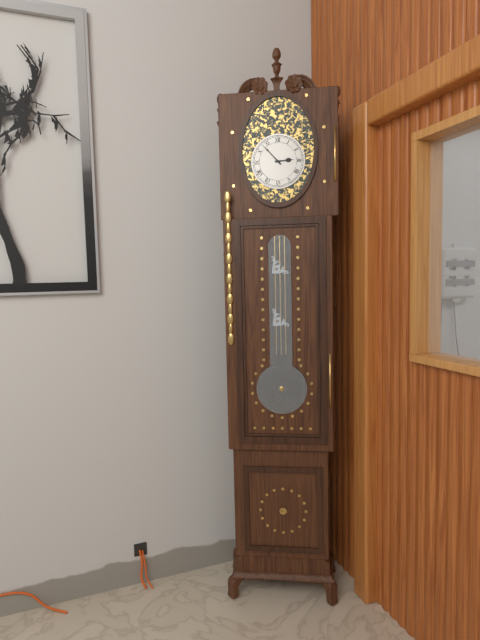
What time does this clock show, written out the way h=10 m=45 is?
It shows h=2 m=53
